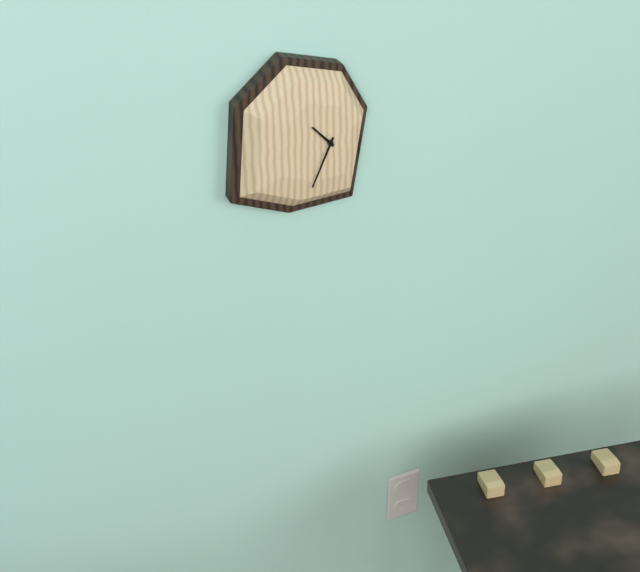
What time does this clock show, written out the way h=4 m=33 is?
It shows h=10 m=34
